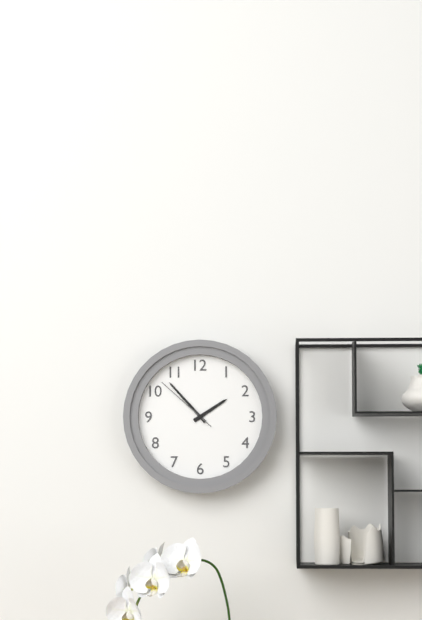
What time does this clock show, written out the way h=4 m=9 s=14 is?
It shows h=1 m=53 s=52
